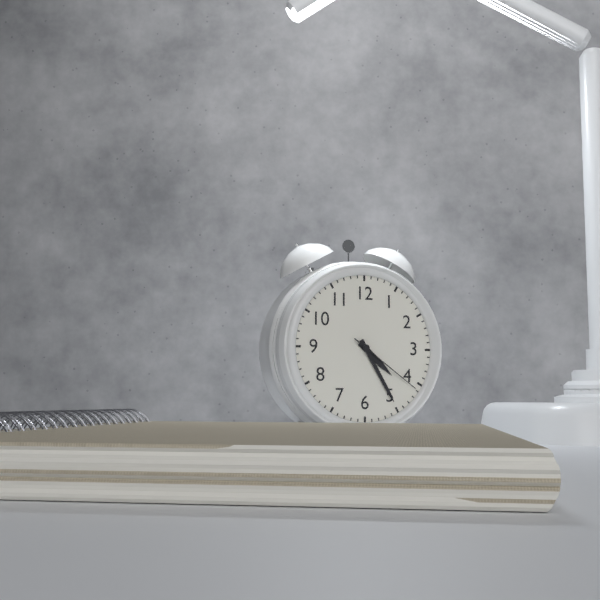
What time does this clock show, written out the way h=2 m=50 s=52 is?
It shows h=4 m=25 s=21
